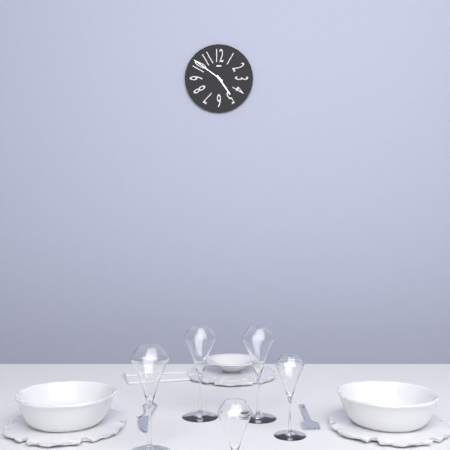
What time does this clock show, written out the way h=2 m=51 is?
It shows h=4 m=51
